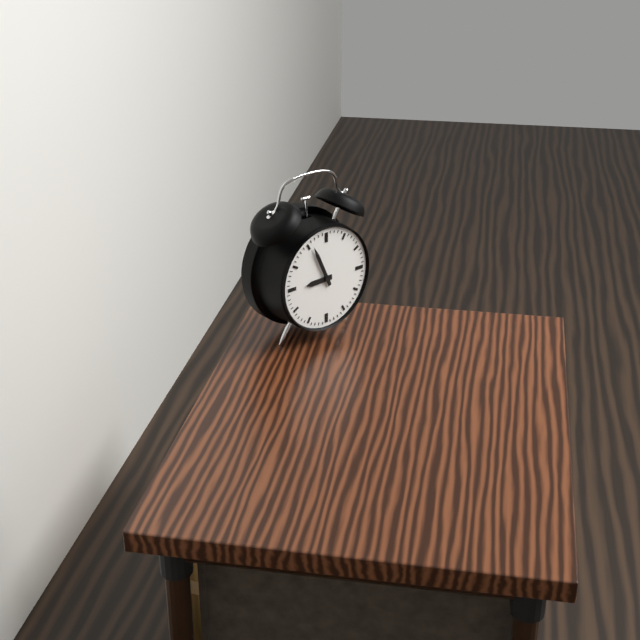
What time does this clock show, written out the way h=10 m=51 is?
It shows h=8 m=56
